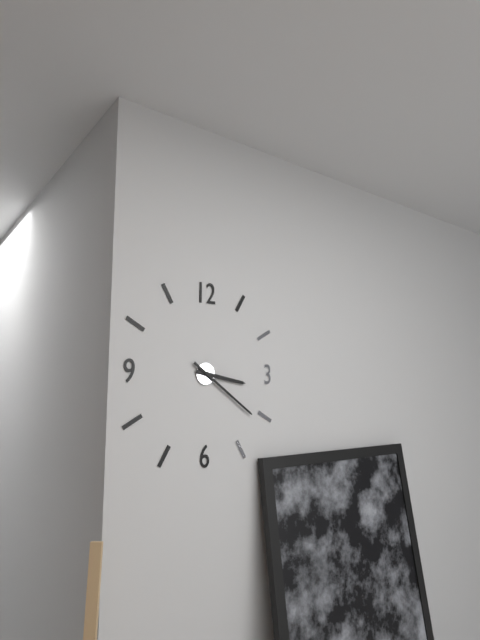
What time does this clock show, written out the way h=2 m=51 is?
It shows h=3 m=21
